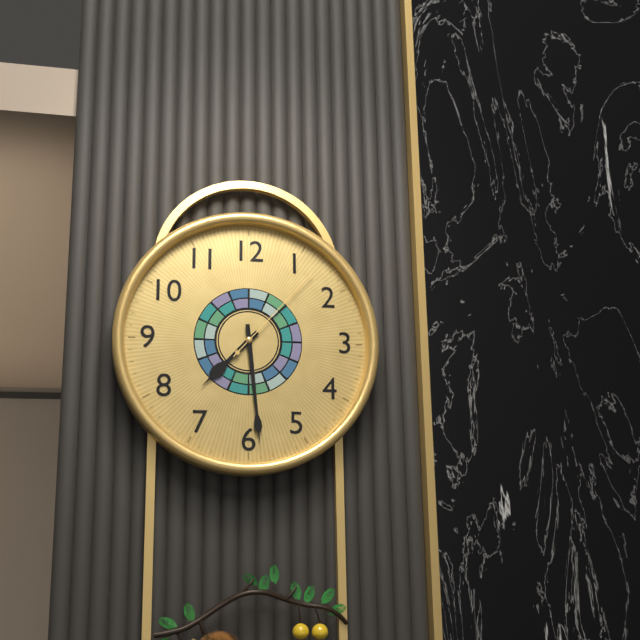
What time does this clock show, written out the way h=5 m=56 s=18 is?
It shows h=7 m=29 s=7
